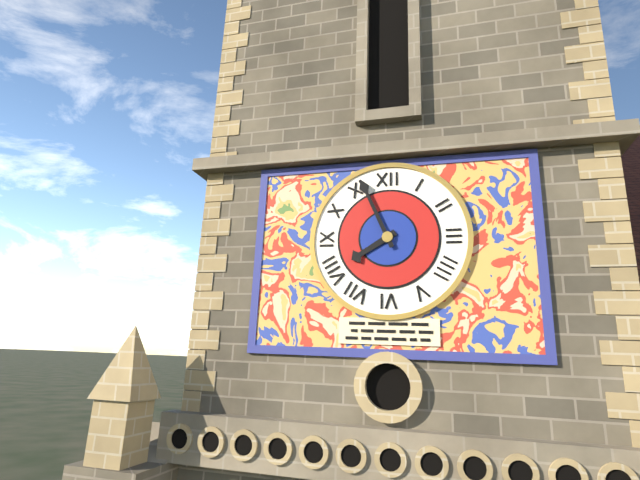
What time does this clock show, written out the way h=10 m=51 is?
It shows h=7 m=56
